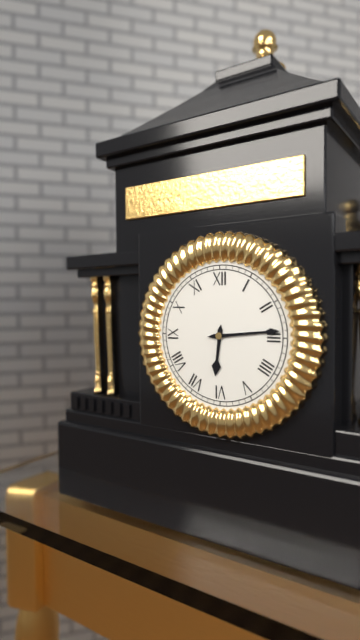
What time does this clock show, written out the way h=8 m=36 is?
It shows h=6 m=14
